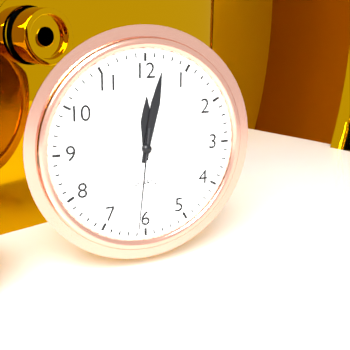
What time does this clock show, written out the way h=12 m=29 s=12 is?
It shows h=12 m=2 s=31
